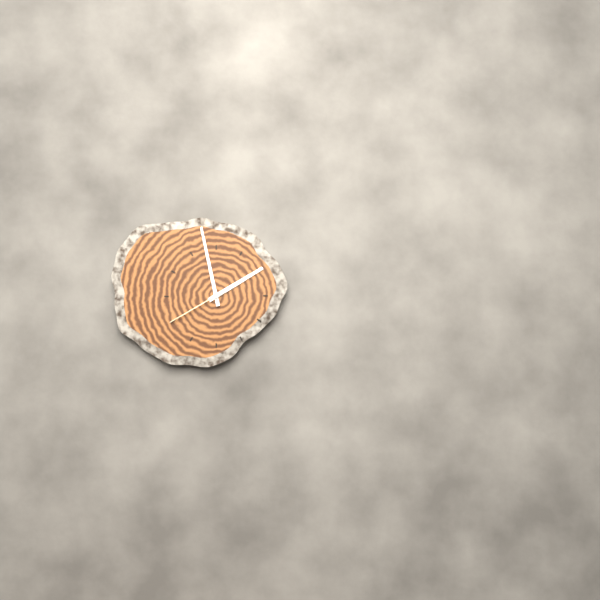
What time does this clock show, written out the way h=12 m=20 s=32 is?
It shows h=1 m=58 s=40
